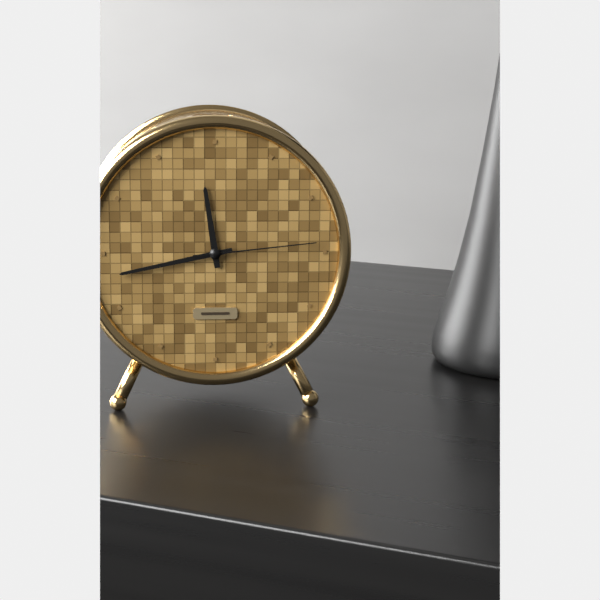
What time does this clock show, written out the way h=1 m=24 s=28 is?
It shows h=11 m=43 s=14
